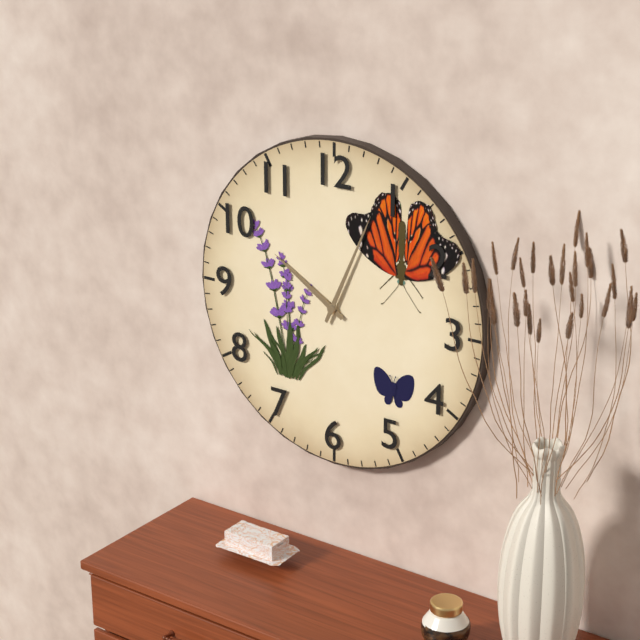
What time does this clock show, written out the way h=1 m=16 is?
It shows h=10 m=4
